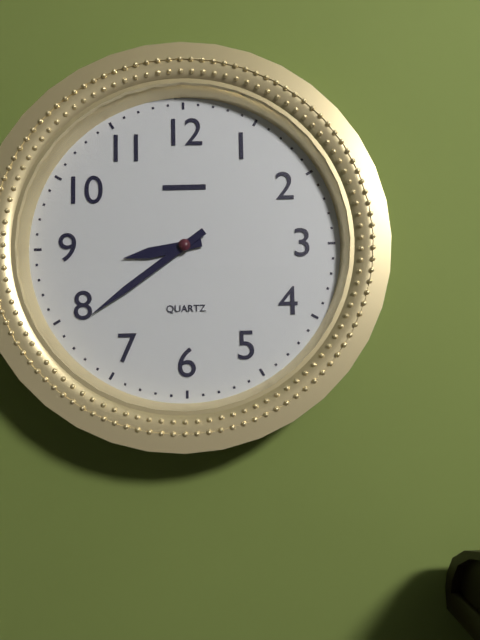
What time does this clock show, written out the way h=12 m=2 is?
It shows h=8 m=39
